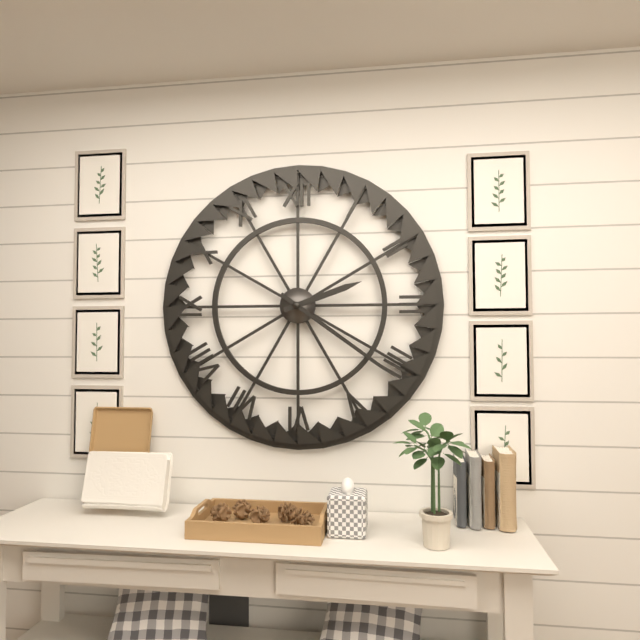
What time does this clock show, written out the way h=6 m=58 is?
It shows h=2 m=21
